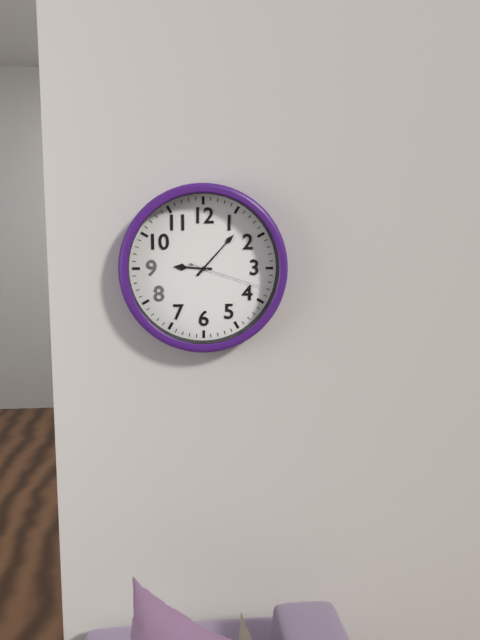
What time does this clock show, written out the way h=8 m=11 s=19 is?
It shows h=9 m=7 s=18
